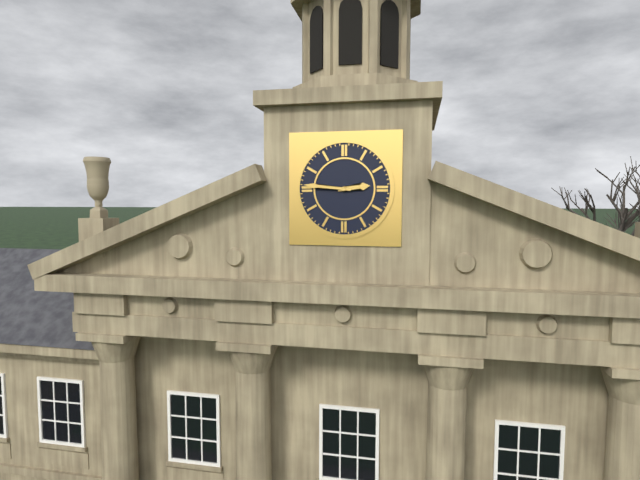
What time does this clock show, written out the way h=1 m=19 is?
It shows h=2 m=46
